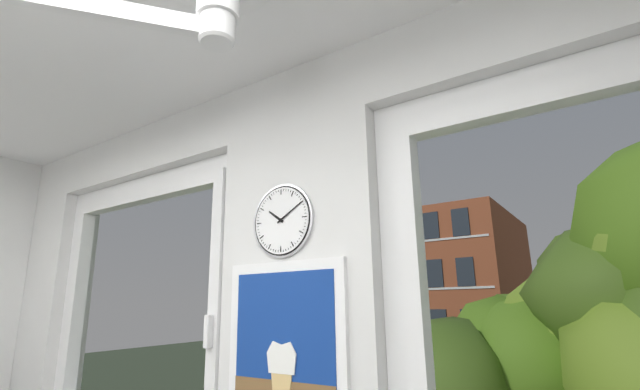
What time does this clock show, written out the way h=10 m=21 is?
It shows h=10 m=10
